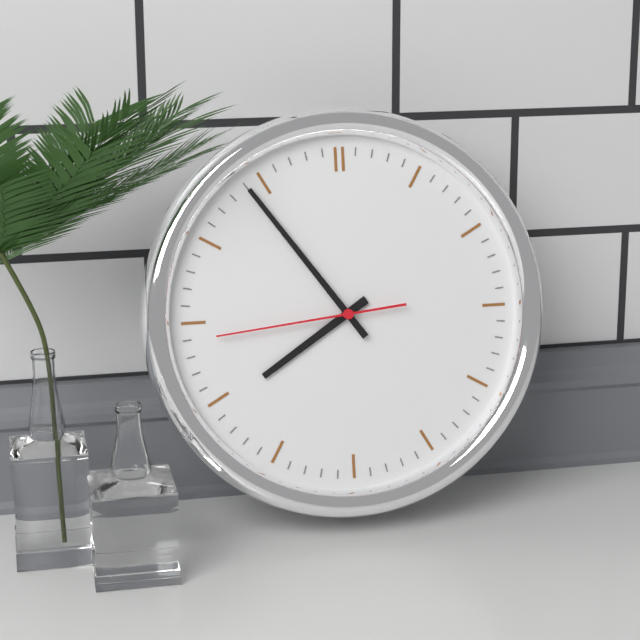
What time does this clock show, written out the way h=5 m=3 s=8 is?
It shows h=7 m=54 s=44
